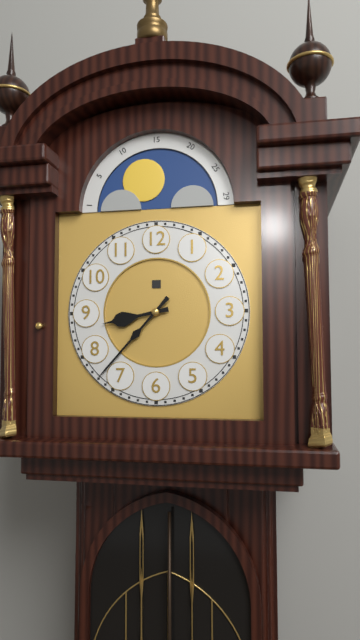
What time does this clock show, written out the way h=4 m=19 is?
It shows h=8 m=37
